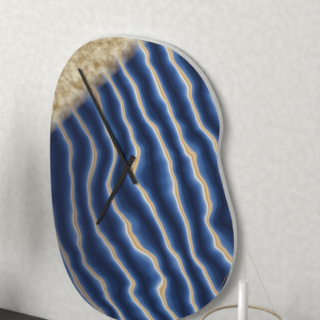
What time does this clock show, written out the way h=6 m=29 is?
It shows h=6 m=55
